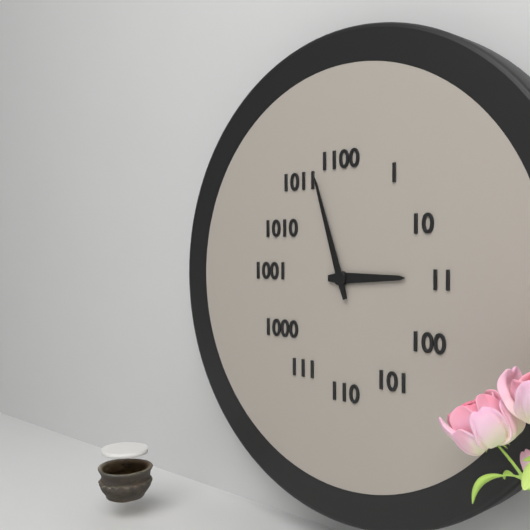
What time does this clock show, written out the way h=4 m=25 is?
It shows h=2 m=57
